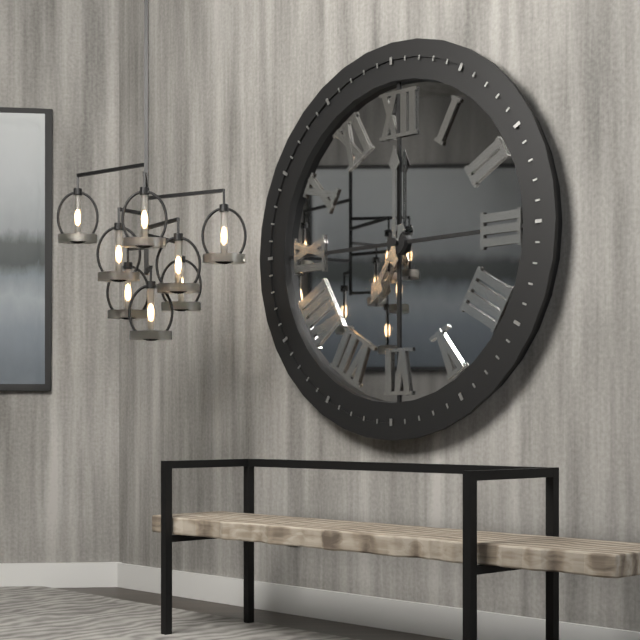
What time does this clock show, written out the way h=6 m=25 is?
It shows h=7 m=0
